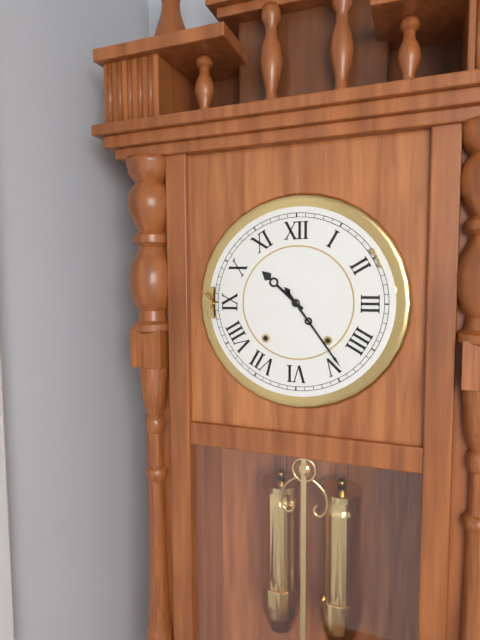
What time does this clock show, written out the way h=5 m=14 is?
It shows h=10 m=24
